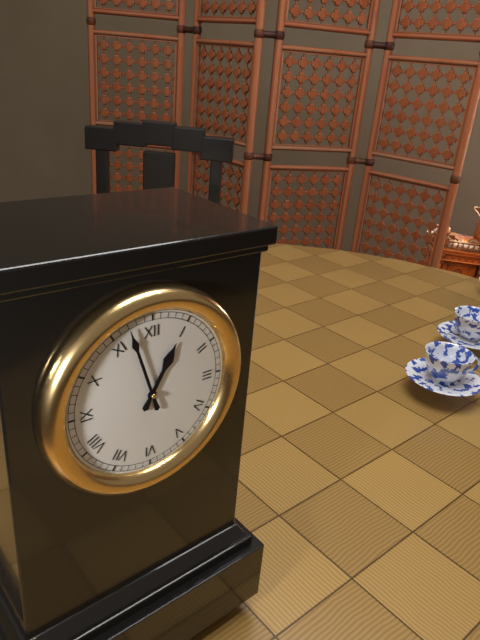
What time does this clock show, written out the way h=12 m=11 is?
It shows h=12 m=57
